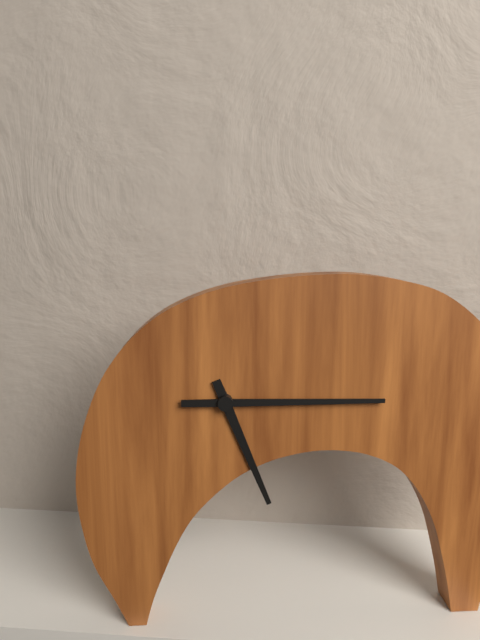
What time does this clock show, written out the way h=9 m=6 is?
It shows h=5 m=15
